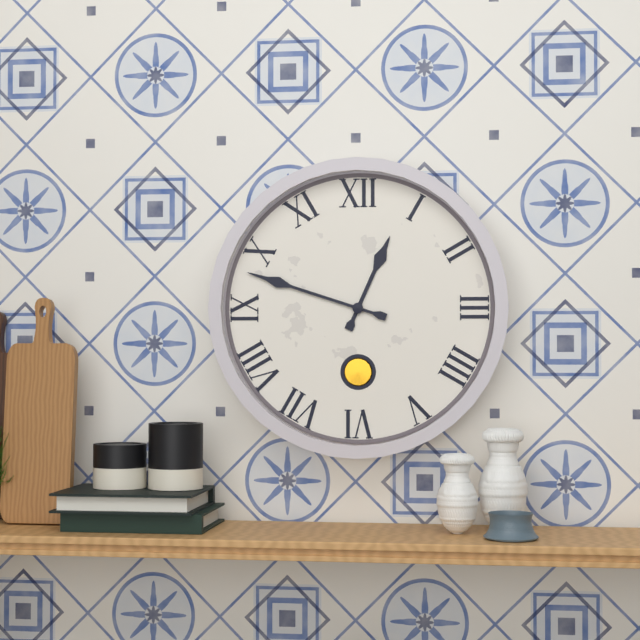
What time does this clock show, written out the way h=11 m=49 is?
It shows h=12 m=48
